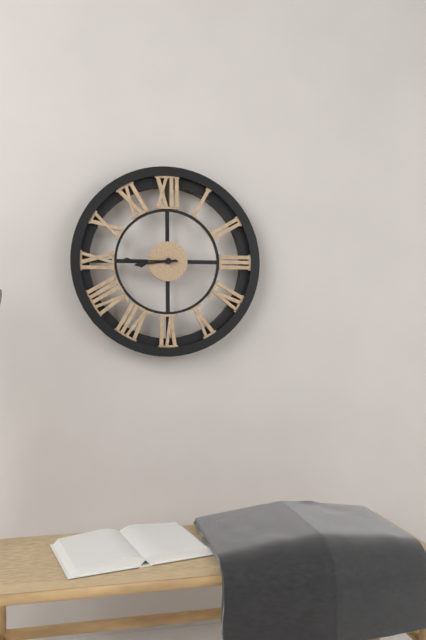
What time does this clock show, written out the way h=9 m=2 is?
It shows h=8 m=45
